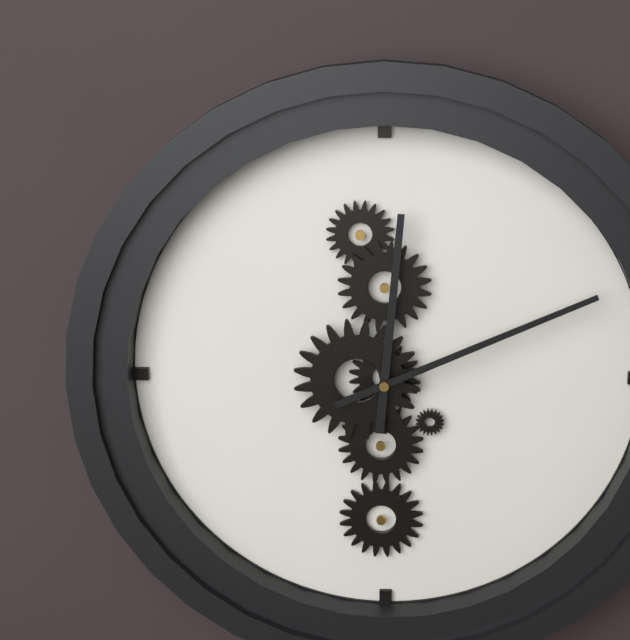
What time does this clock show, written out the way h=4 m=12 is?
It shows h=12 m=11
